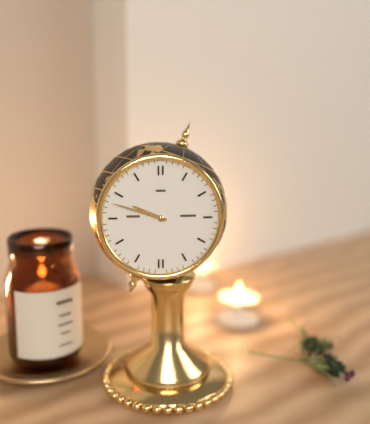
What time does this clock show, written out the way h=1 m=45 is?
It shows h=9 m=48
